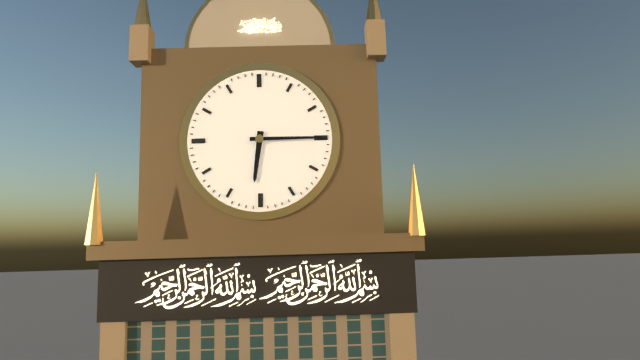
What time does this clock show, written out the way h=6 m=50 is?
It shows h=6 m=15
